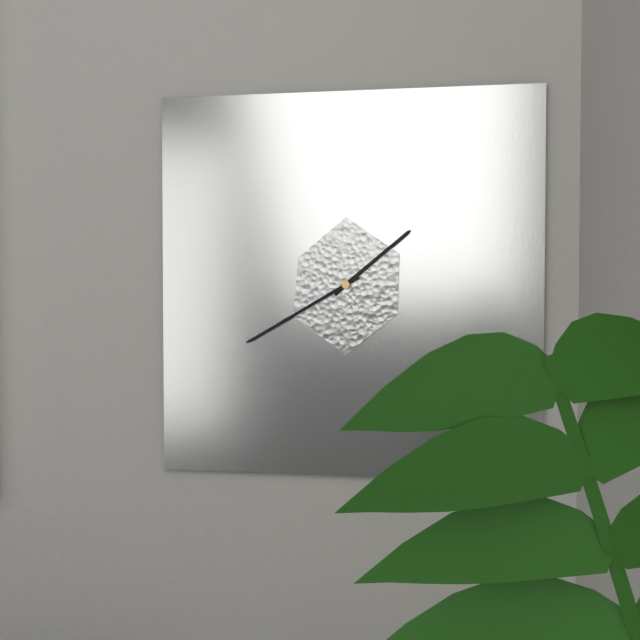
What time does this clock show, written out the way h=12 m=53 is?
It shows h=1 m=40
